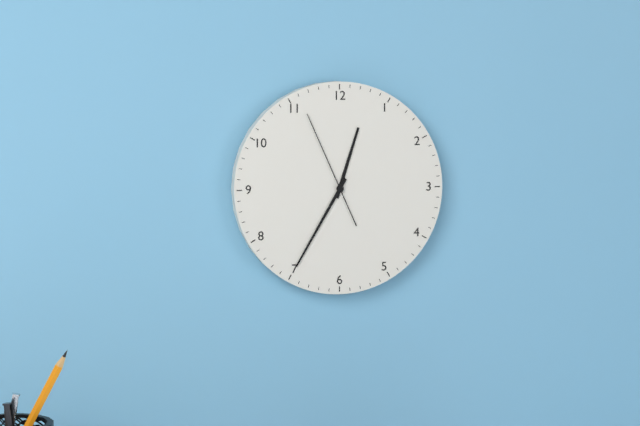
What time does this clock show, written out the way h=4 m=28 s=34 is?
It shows h=12 m=35 s=56
